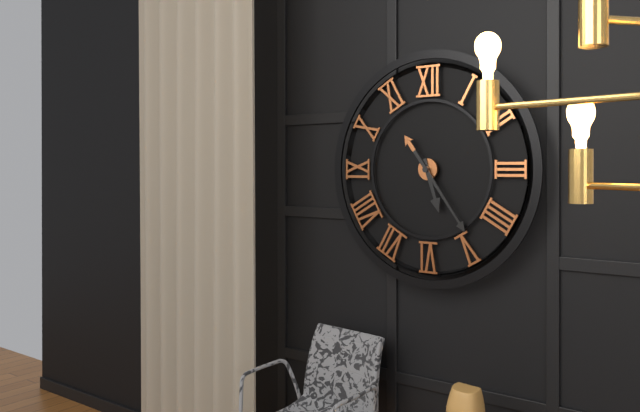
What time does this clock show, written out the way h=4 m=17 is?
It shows h=5 m=24
